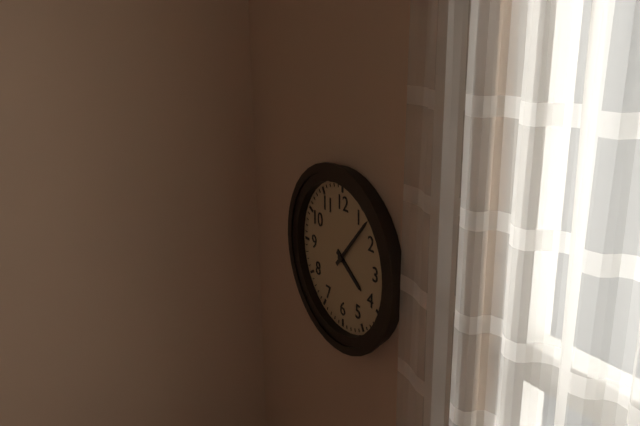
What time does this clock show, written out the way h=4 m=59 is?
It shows h=4 m=7
